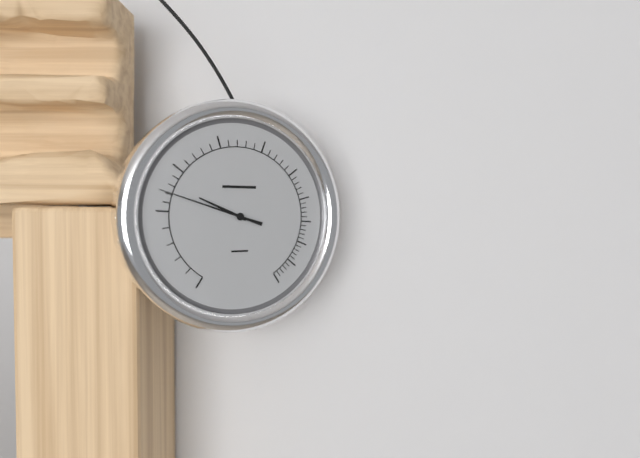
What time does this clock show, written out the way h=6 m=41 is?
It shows h=9 m=48
